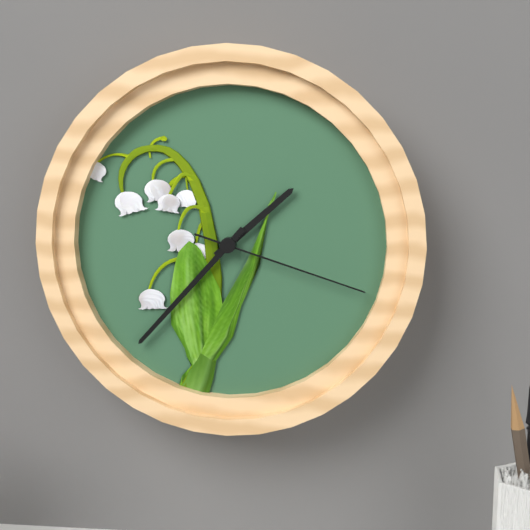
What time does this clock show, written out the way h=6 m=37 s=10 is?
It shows h=1 m=37 s=18
